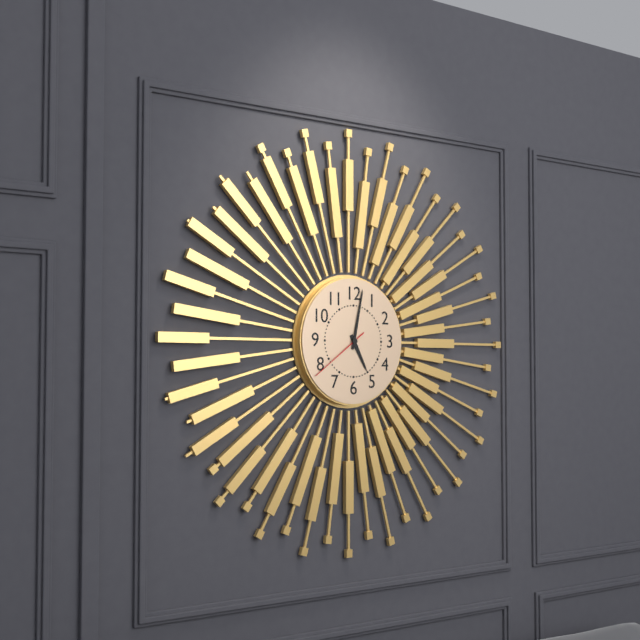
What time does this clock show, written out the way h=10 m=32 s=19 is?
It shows h=5 m=2 s=39
